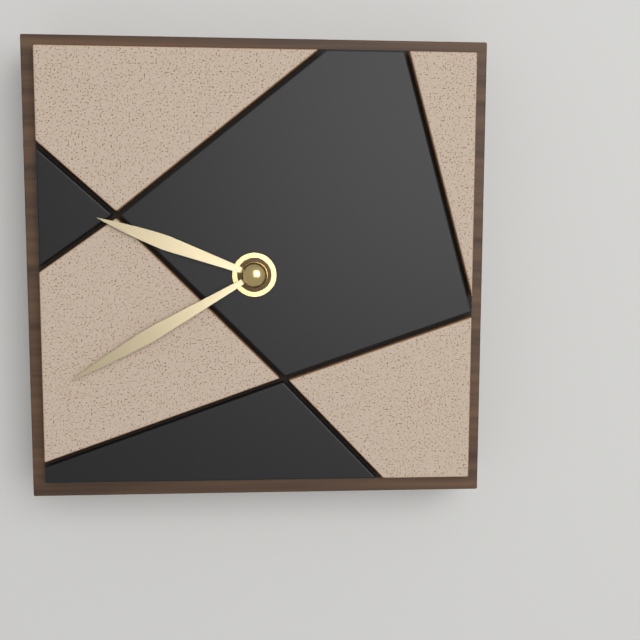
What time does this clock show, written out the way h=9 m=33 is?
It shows h=9 m=40
